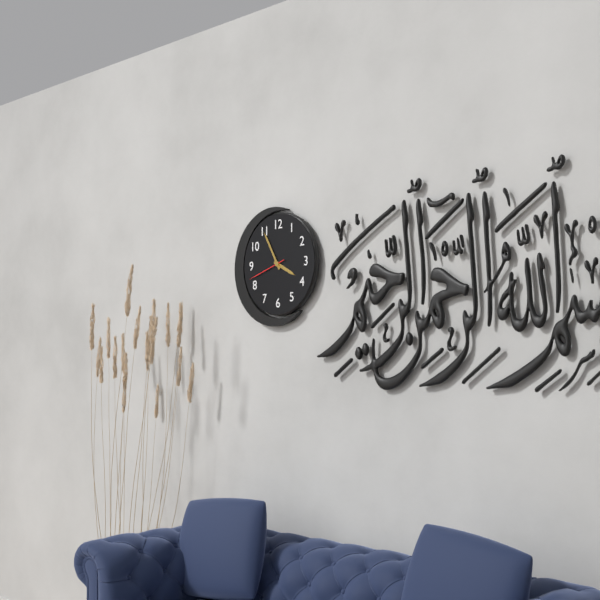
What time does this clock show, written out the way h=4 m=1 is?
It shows h=3 m=55
